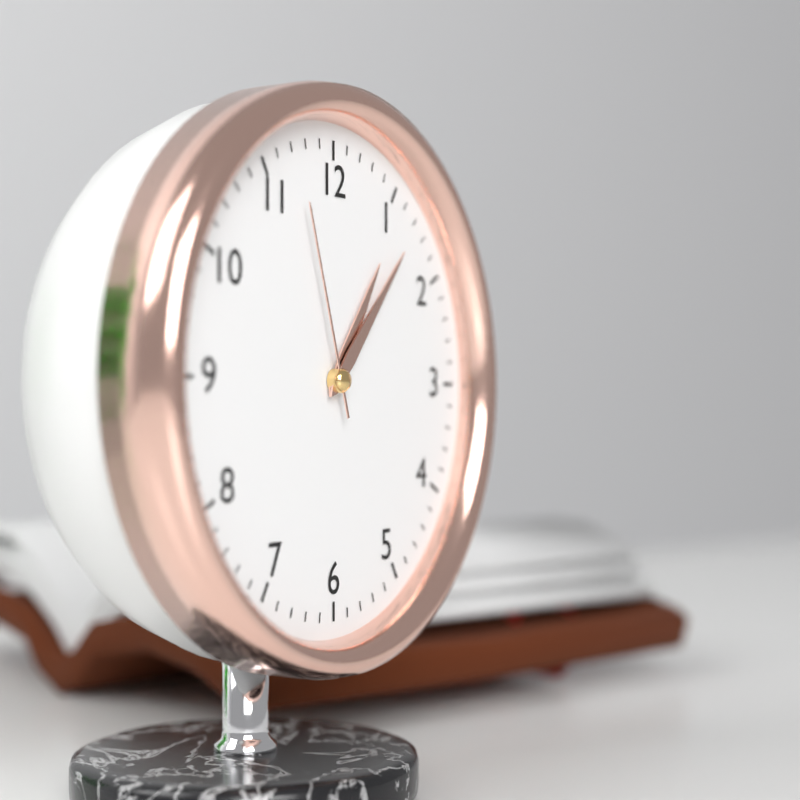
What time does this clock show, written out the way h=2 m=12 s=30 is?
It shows h=1 m=7 s=57
